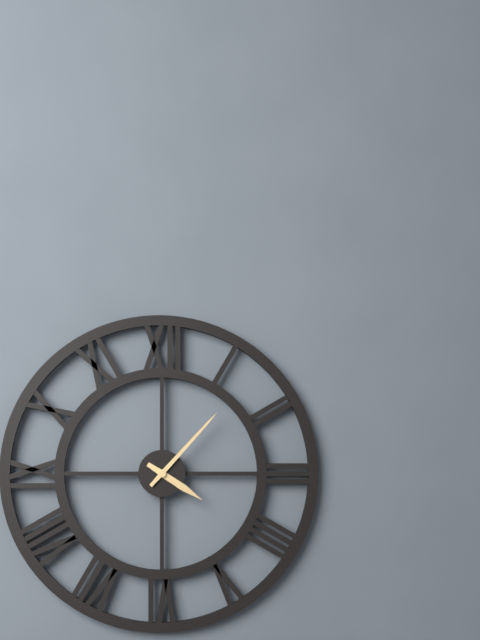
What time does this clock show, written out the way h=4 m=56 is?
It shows h=4 m=7
